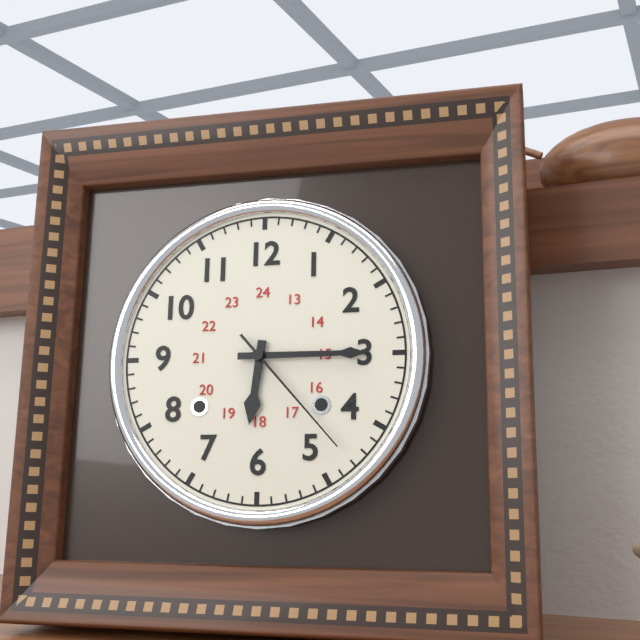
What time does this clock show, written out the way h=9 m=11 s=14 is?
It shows h=6 m=15 s=23
